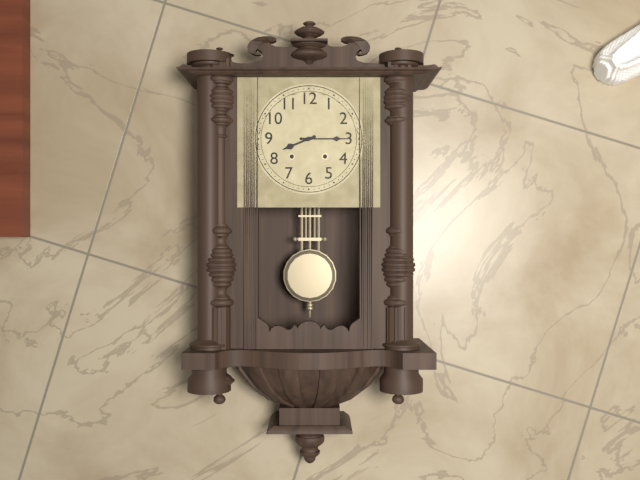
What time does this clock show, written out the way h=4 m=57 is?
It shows h=8 m=15
